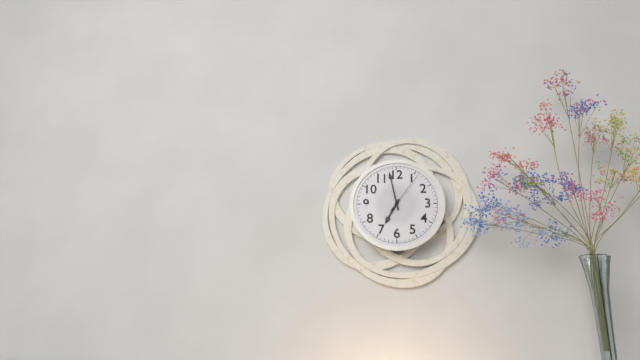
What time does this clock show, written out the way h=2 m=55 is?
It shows h=6 m=58
